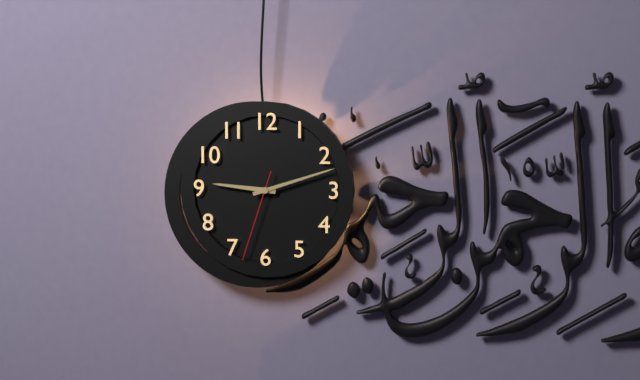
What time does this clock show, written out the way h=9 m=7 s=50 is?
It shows h=9 m=12 s=33
